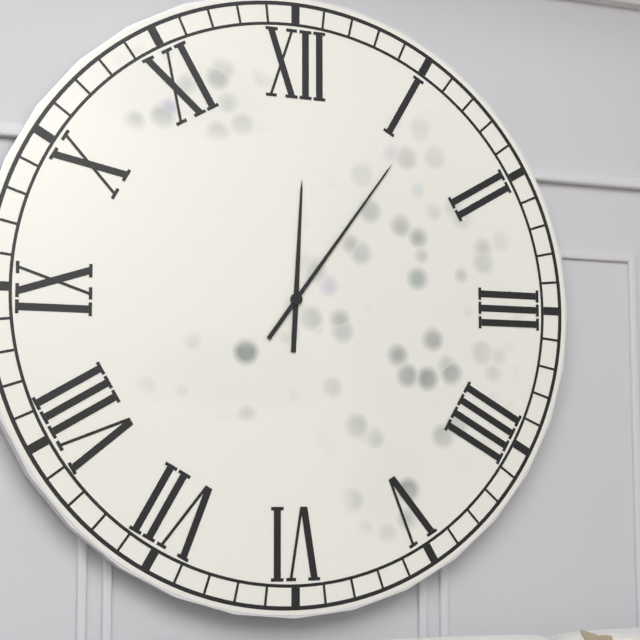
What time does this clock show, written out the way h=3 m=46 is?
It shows h=12 m=6
